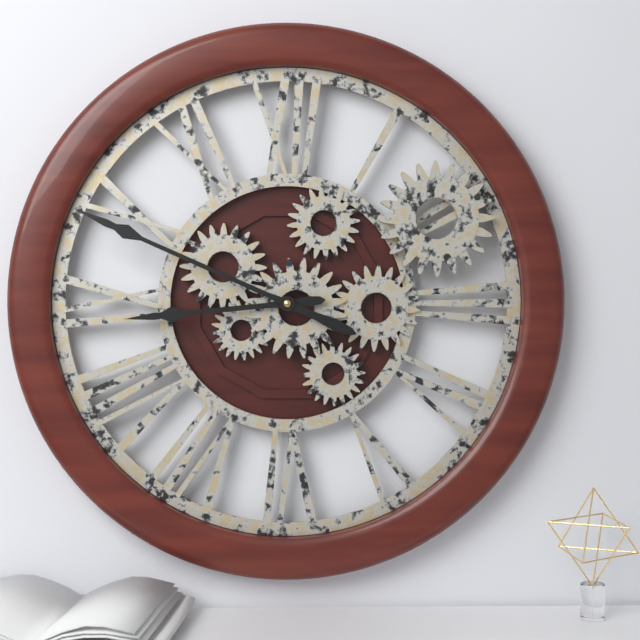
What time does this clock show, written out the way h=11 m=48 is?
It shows h=8 m=49
